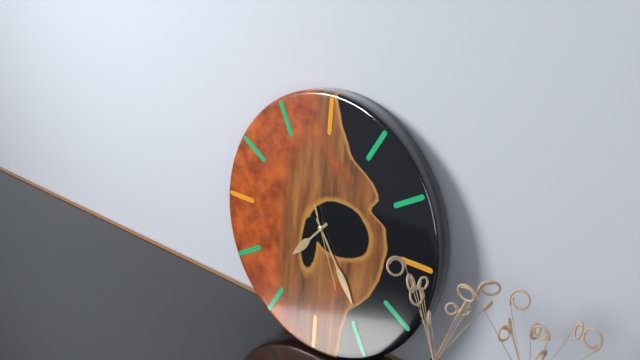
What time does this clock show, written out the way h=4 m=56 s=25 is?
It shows h=7 m=24 s=26
